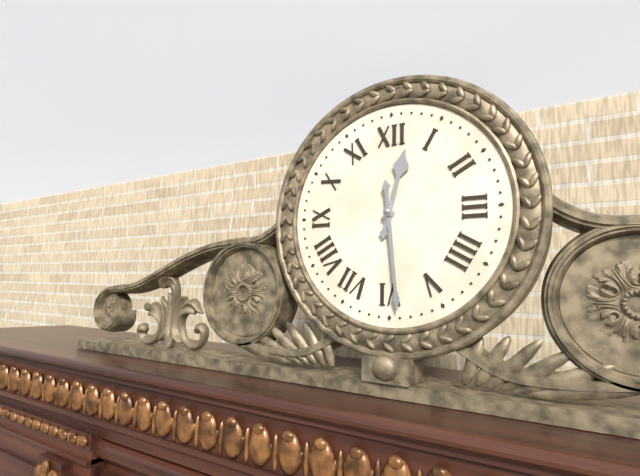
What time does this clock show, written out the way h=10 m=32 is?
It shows h=12 m=29
